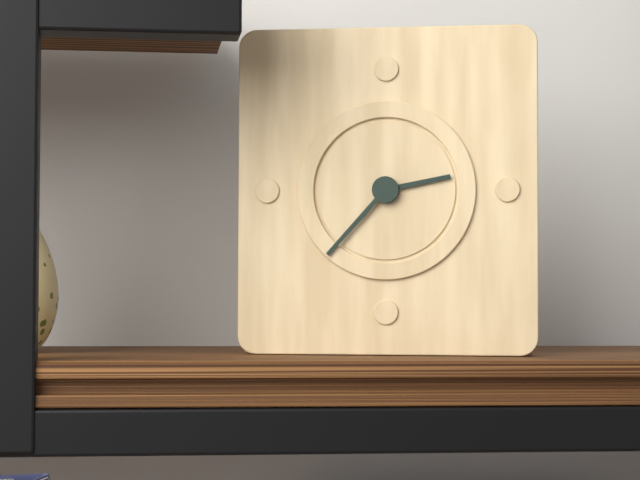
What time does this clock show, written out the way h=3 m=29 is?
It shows h=2 m=37
